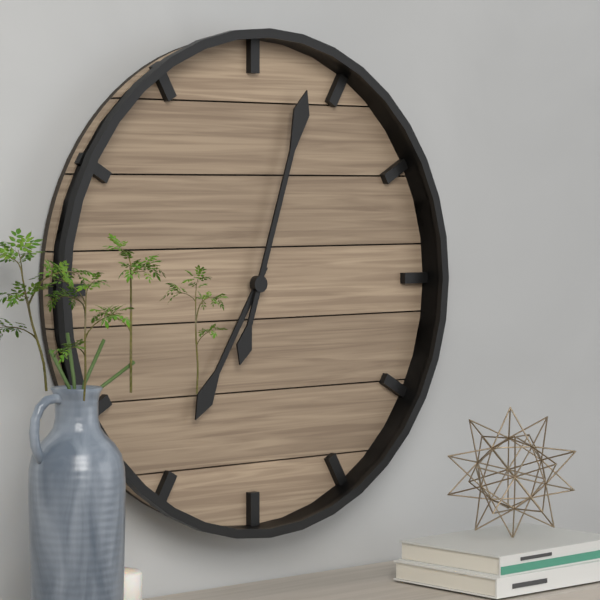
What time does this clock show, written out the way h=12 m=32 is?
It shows h=7 m=3
